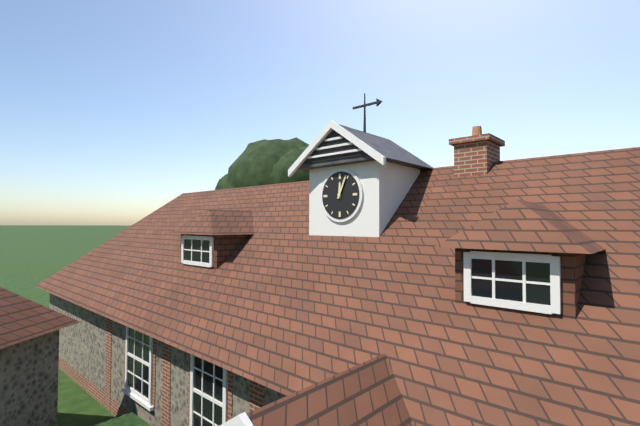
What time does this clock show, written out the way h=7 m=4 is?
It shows h=12 m=4
